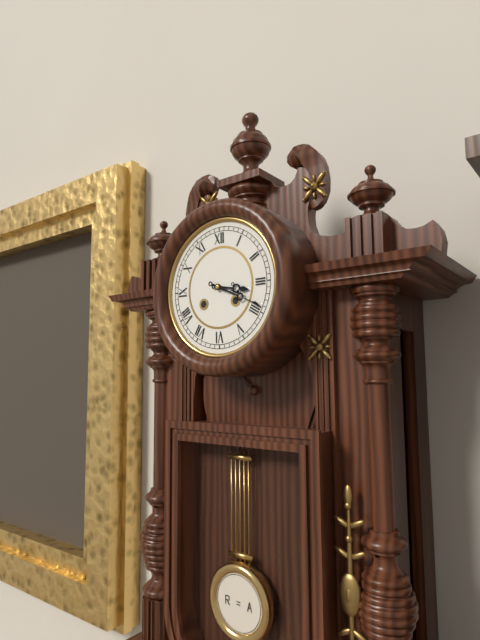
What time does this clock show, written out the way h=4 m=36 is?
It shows h=3 m=19
